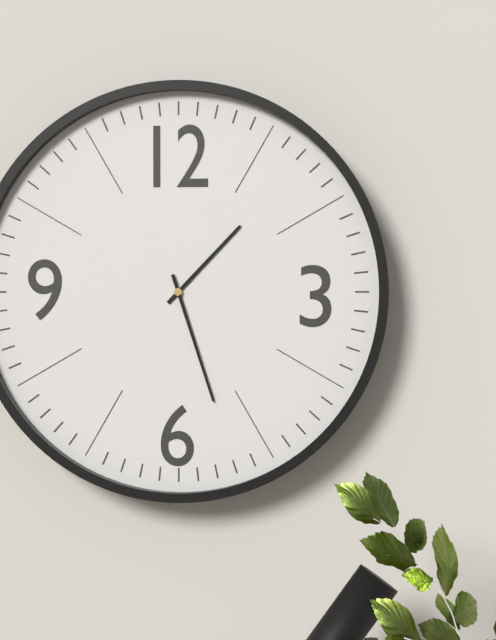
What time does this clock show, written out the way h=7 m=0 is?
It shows h=1 m=27
